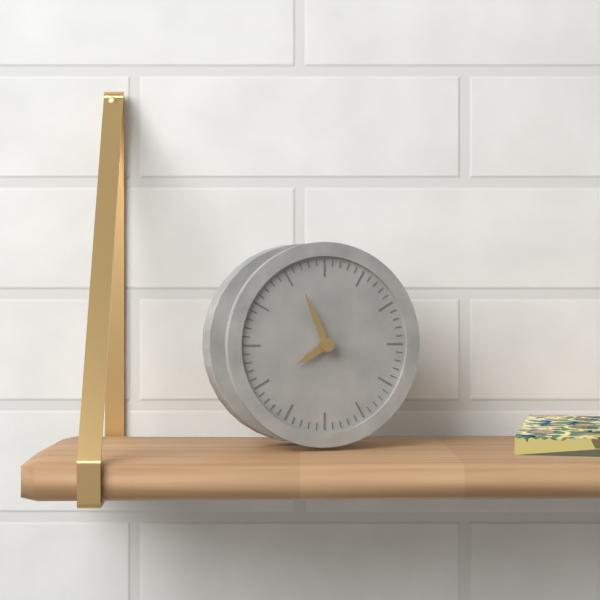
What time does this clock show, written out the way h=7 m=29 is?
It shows h=7 m=56
